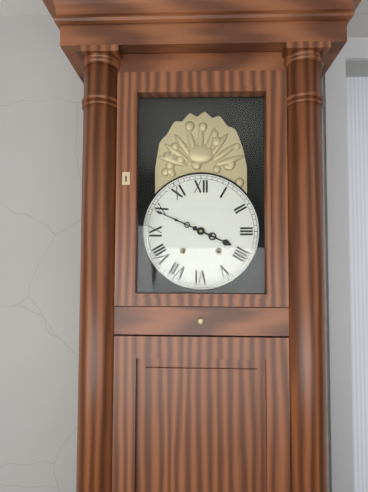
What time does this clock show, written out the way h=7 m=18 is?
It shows h=3 m=49
